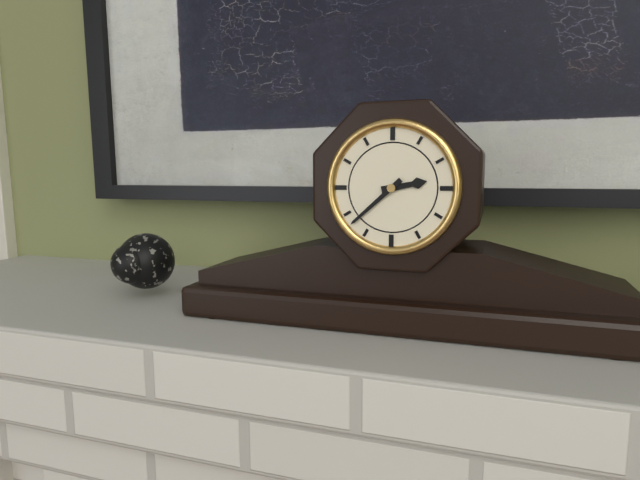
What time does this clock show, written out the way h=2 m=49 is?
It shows h=2 m=38
